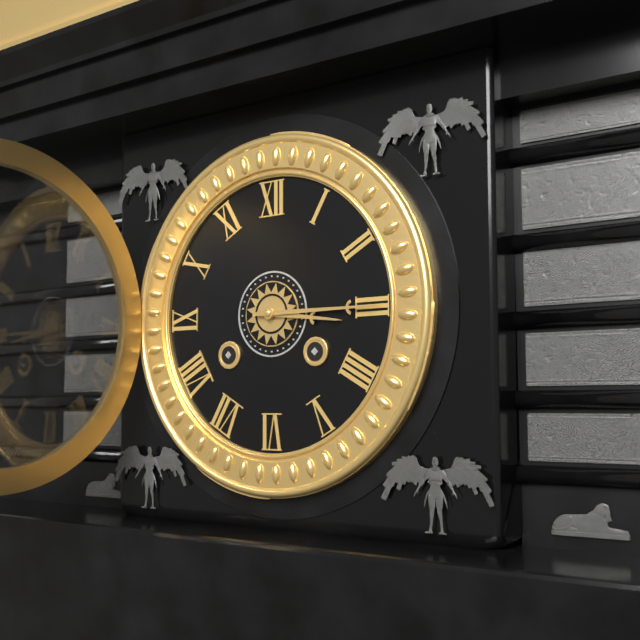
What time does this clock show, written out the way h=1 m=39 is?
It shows h=3 m=15
